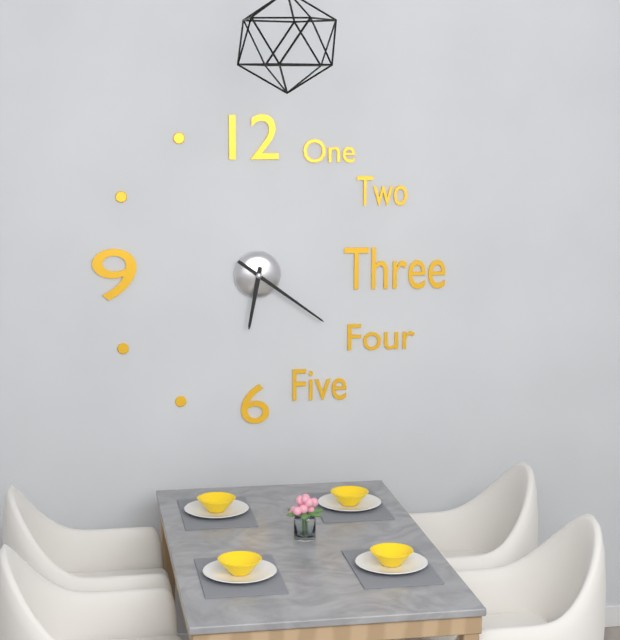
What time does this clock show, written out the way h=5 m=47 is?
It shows h=6 m=21
